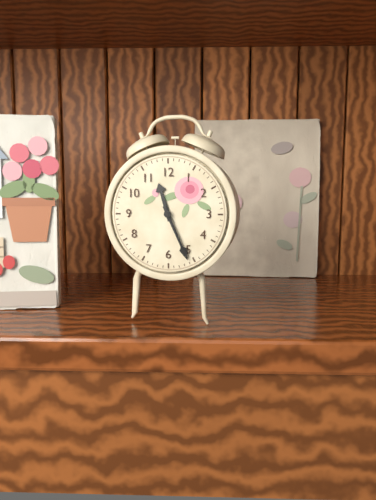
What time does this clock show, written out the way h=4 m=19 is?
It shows h=11 m=26
